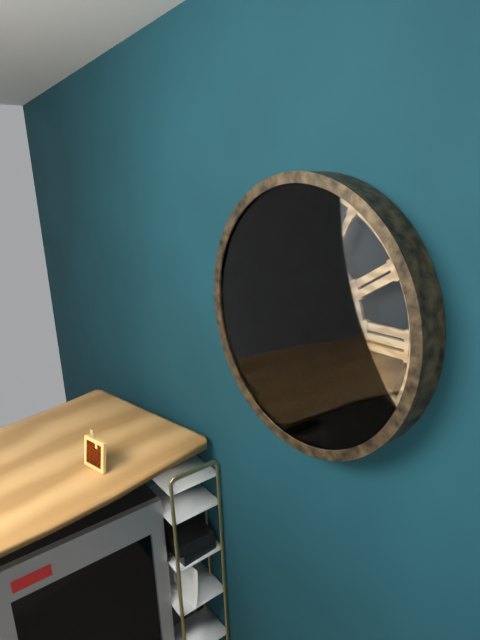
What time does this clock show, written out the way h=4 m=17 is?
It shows h=4 m=46
